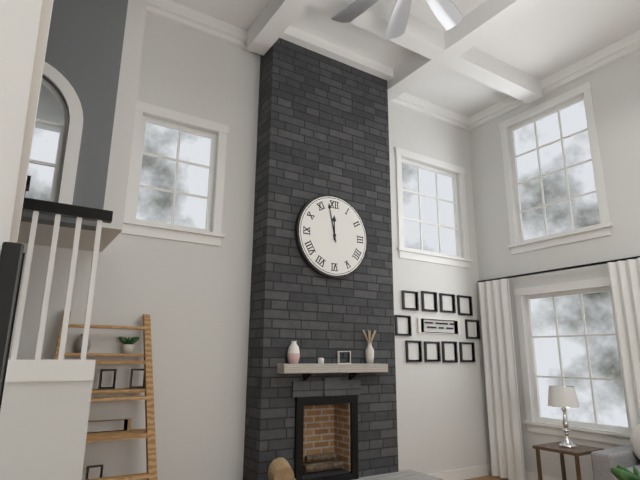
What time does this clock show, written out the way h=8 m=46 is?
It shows h=11 m=58
